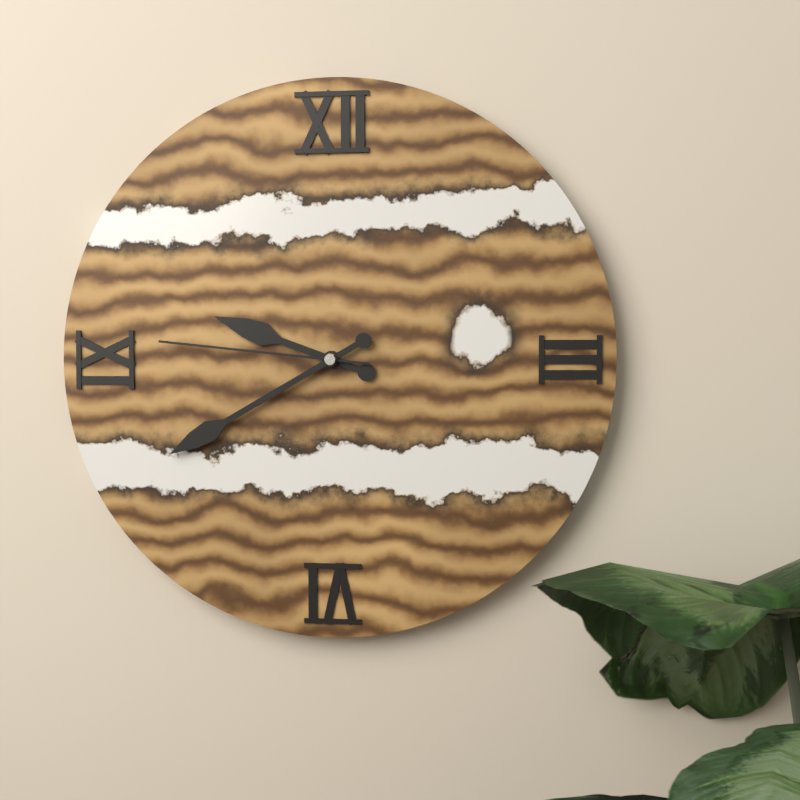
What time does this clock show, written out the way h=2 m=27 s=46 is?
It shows h=9 m=40 s=46
